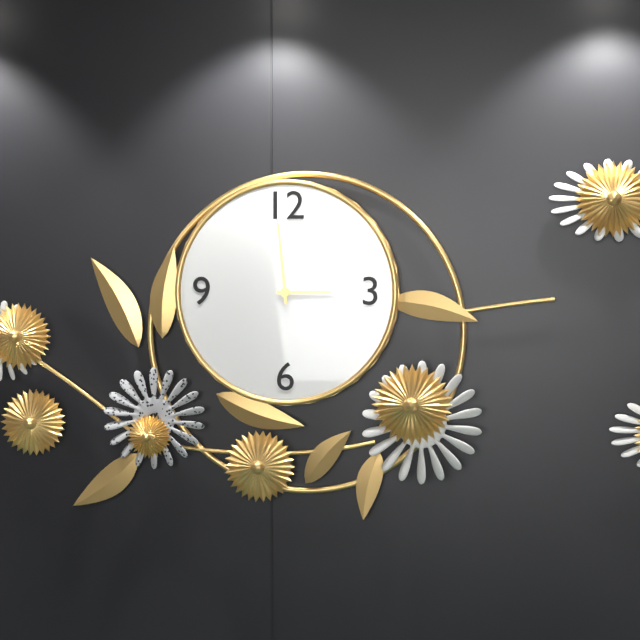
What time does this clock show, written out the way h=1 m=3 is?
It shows h=2 m=59
